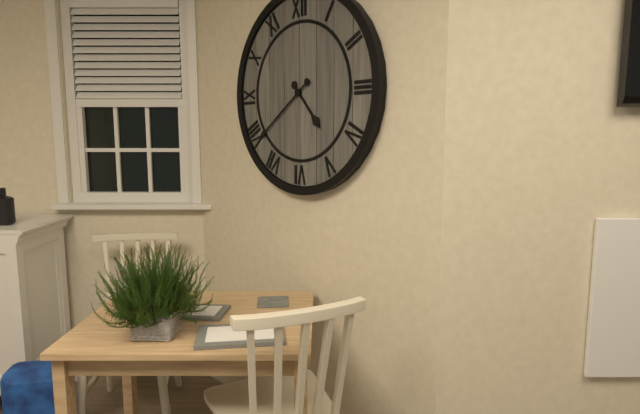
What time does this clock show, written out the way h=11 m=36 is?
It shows h=4 m=39
